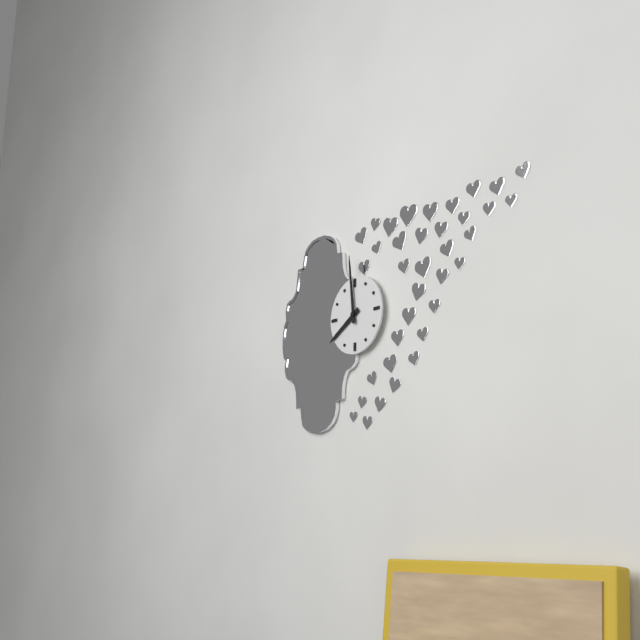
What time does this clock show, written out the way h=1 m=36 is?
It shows h=7 m=59
